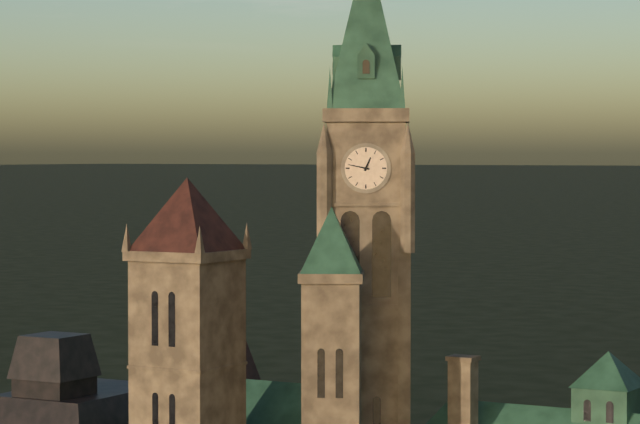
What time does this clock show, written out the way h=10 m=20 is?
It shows h=12 m=47
